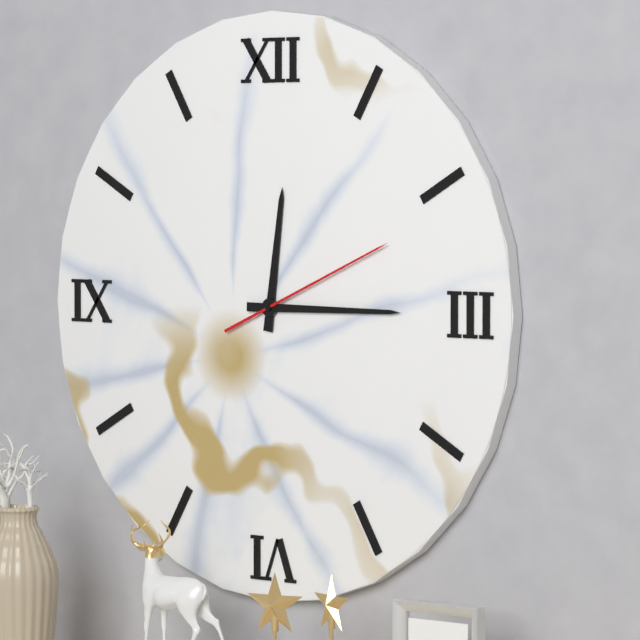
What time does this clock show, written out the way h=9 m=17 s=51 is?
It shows h=12 m=15 s=11
